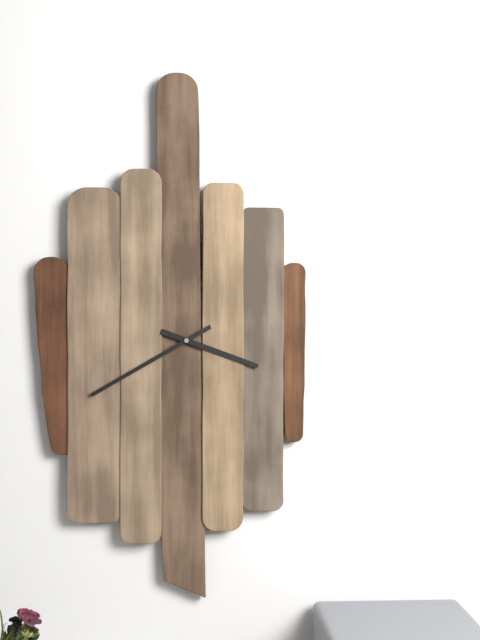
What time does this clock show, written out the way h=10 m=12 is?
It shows h=3 m=40
